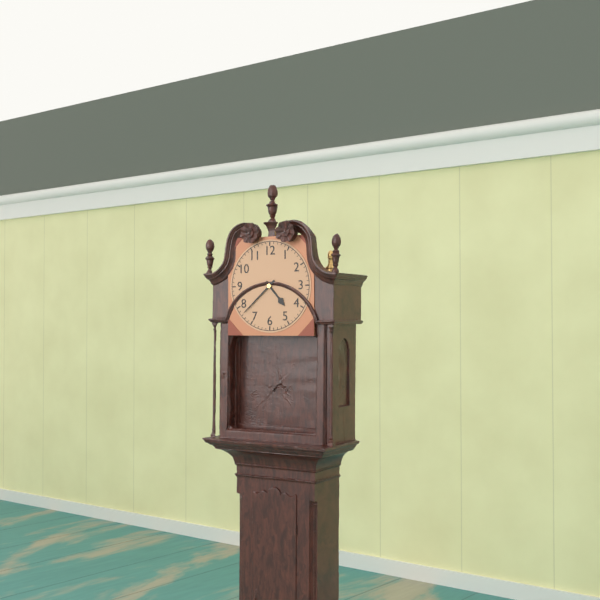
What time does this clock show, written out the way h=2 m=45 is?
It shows h=4 m=38
